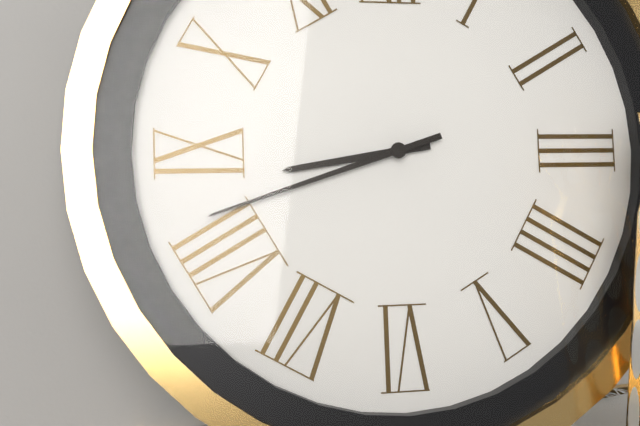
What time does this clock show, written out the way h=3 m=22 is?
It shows h=8 m=42
